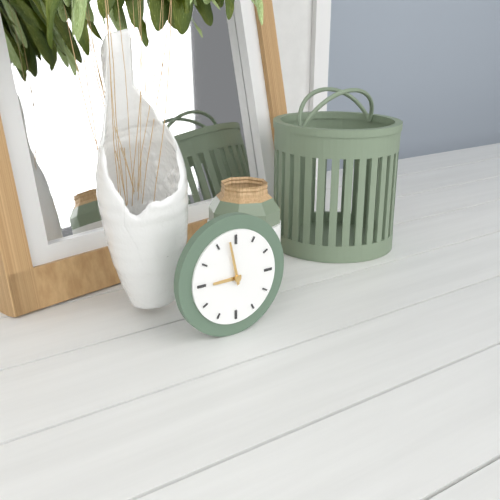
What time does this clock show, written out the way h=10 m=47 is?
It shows h=8 m=58
